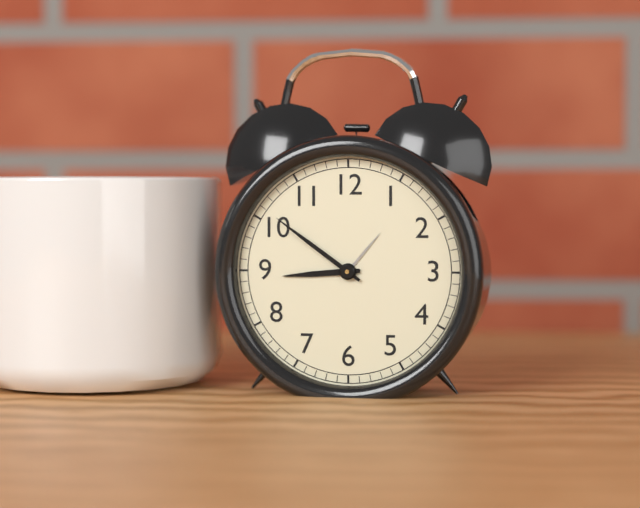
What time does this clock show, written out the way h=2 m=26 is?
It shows h=8 m=51
